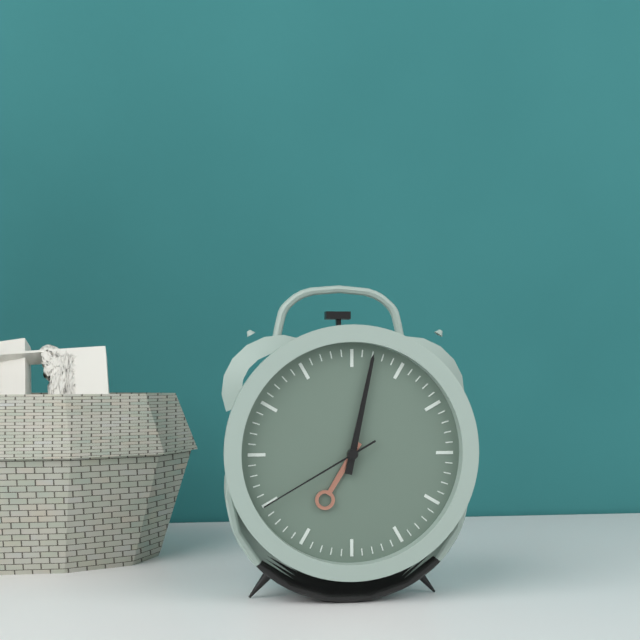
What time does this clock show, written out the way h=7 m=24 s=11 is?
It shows h=7 m=2 s=40
